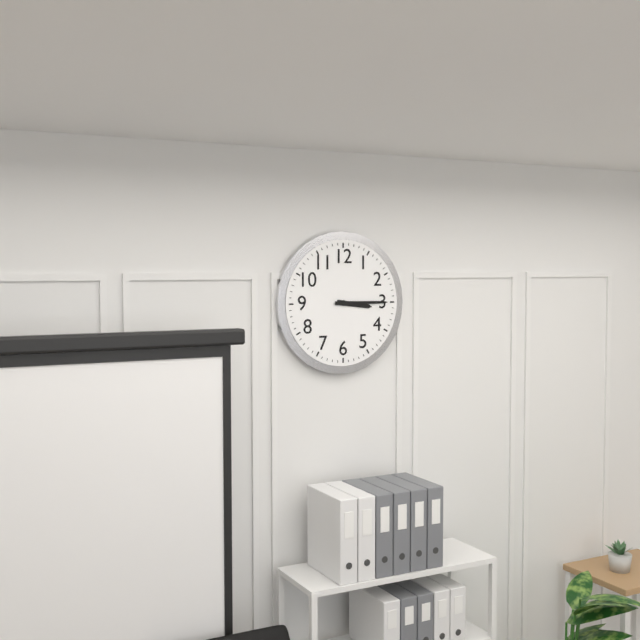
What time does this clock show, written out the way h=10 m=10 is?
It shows h=3 m=15
